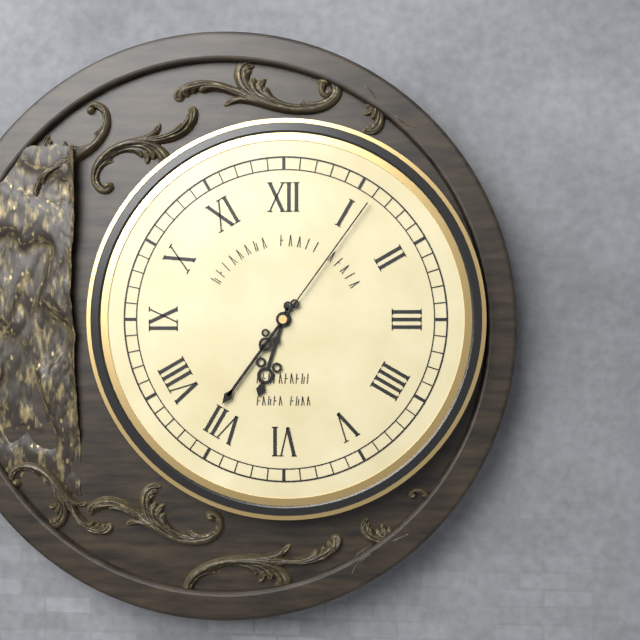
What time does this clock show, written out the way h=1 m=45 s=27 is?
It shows h=6 m=36 s=6
